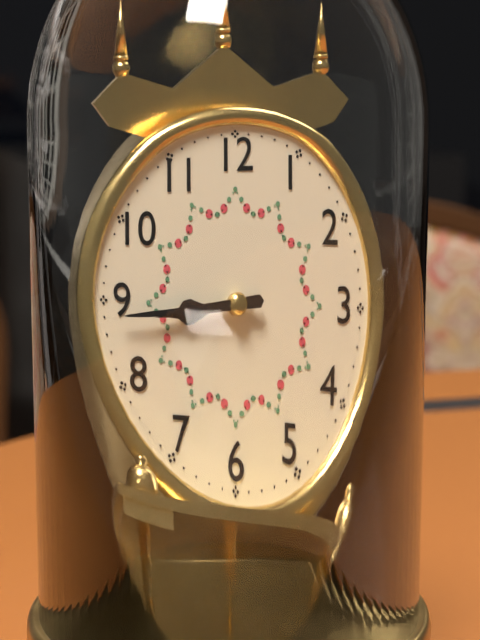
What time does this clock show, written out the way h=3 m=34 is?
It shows h=8 m=44
